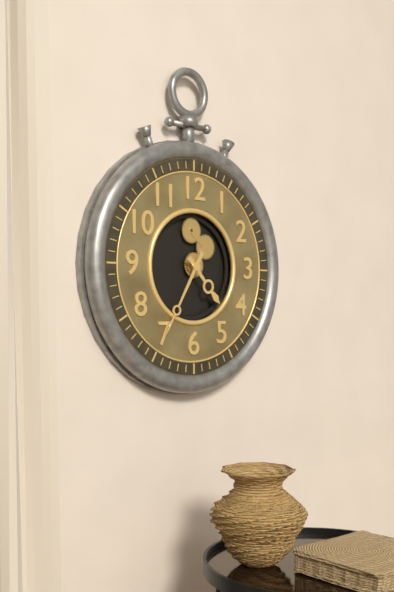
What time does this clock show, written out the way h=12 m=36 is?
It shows h=4 m=35
